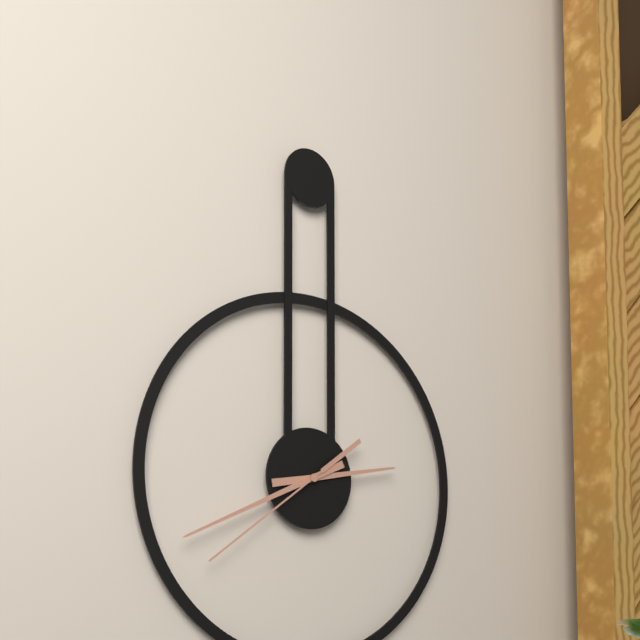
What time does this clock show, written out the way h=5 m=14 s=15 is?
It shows h=2 m=41 s=39
